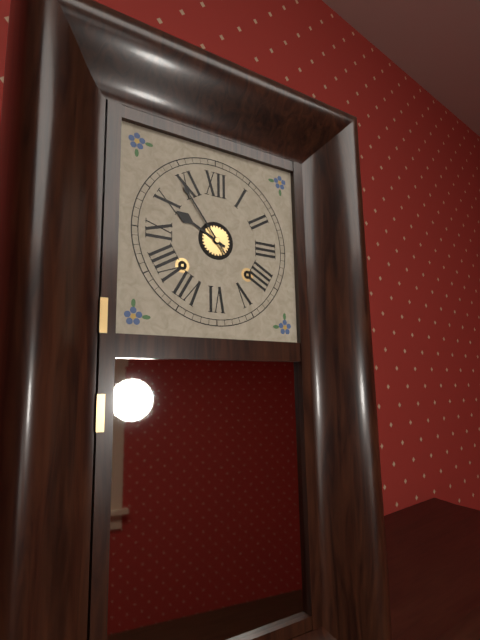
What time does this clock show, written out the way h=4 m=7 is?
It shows h=9 m=54
